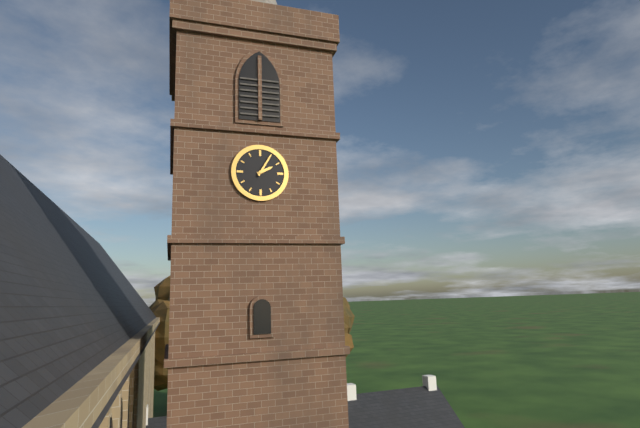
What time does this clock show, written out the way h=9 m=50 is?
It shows h=2 m=5
